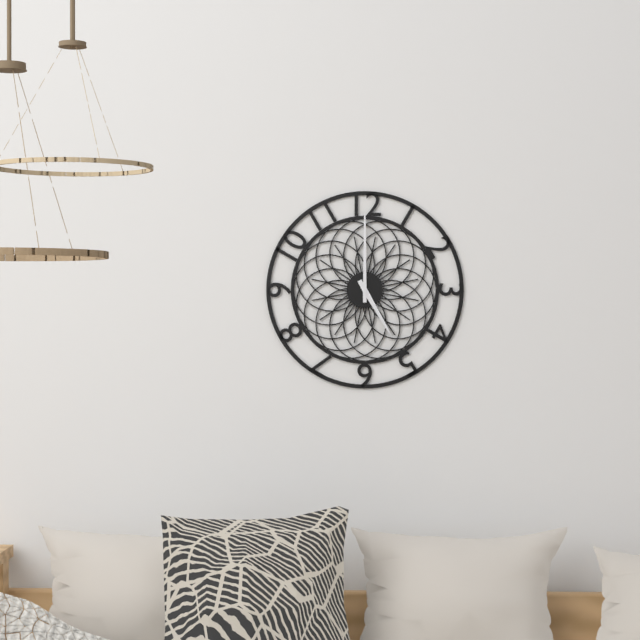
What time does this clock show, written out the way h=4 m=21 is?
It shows h=5 m=0
